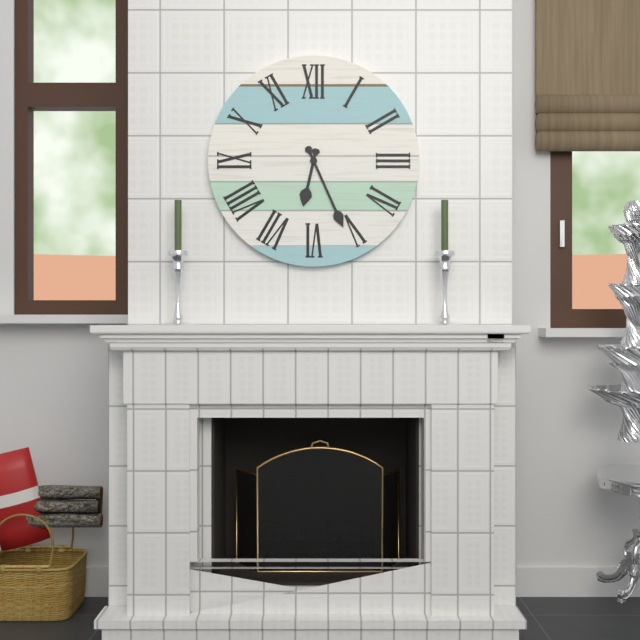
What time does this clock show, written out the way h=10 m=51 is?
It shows h=6 m=26
